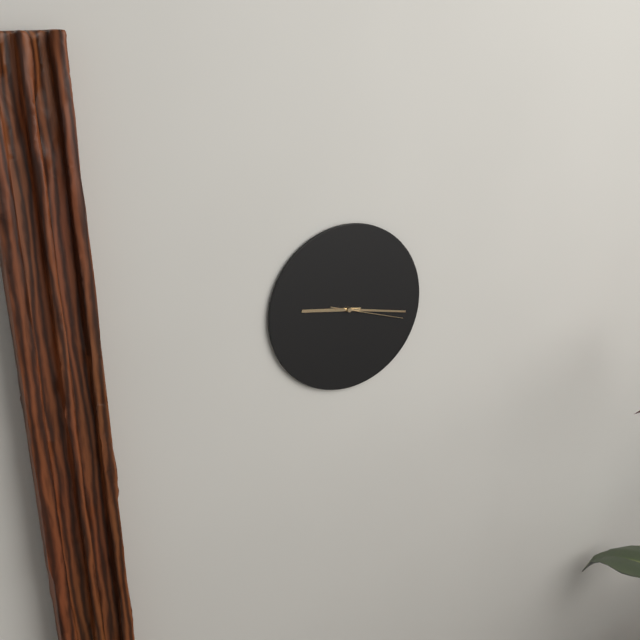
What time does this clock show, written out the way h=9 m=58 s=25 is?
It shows h=9 m=17 s=18
